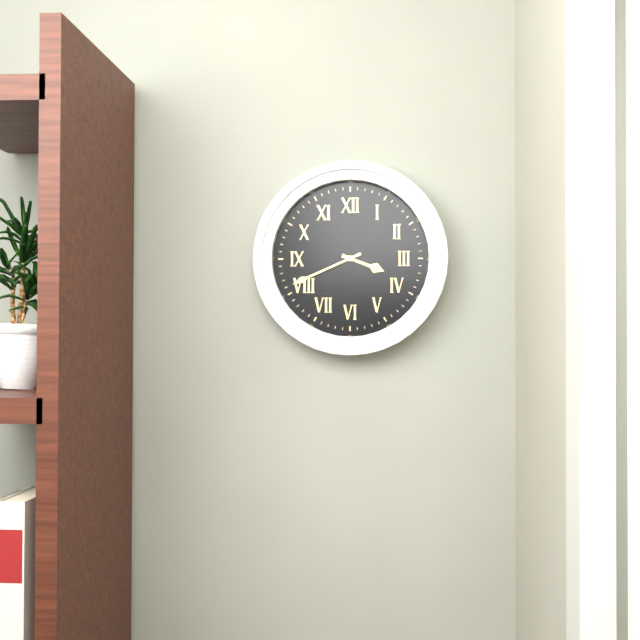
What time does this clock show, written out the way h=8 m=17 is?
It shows h=3 m=41
